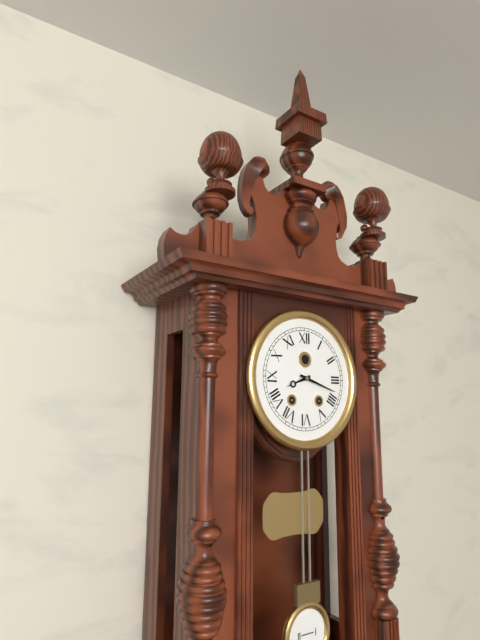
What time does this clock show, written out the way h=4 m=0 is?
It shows h=8 m=18
